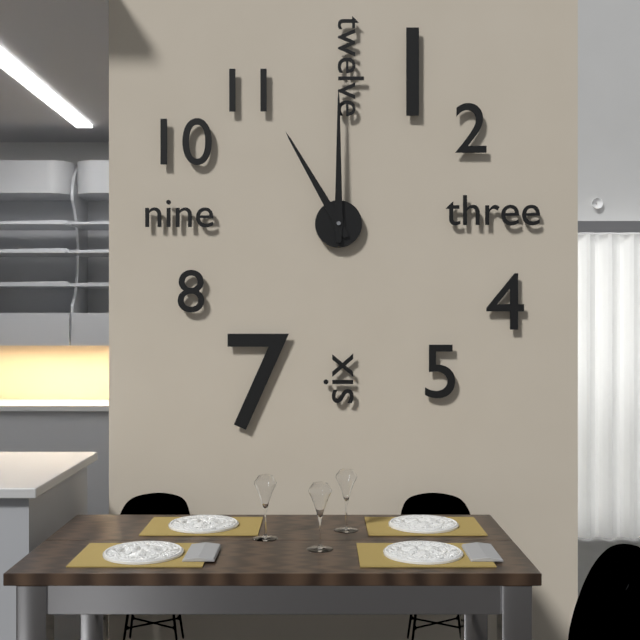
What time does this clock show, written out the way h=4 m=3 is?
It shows h=11 m=0
